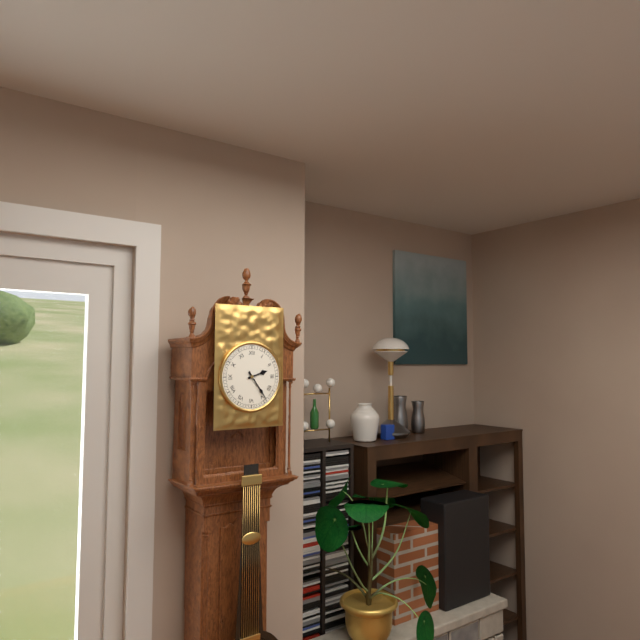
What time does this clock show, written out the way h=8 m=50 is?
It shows h=2 m=24
